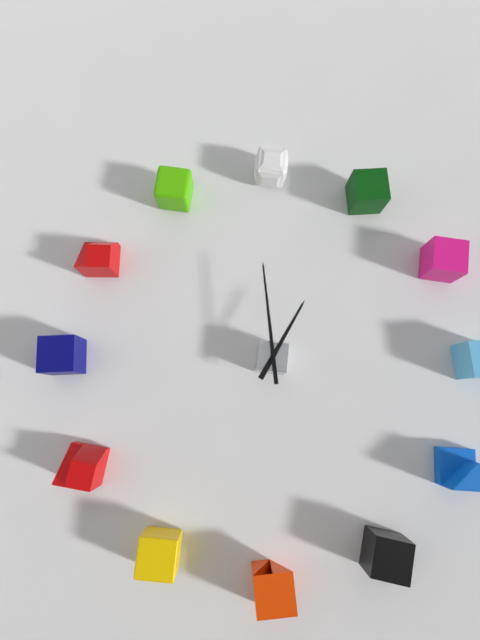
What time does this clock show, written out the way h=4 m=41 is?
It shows h=12 m=59
